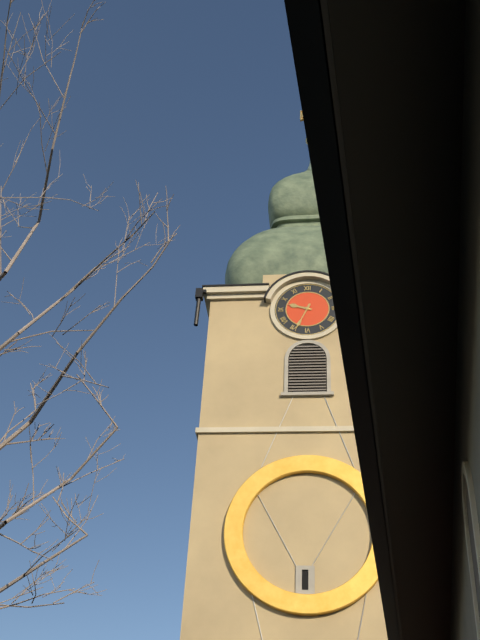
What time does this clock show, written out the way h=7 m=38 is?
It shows h=9 m=34
